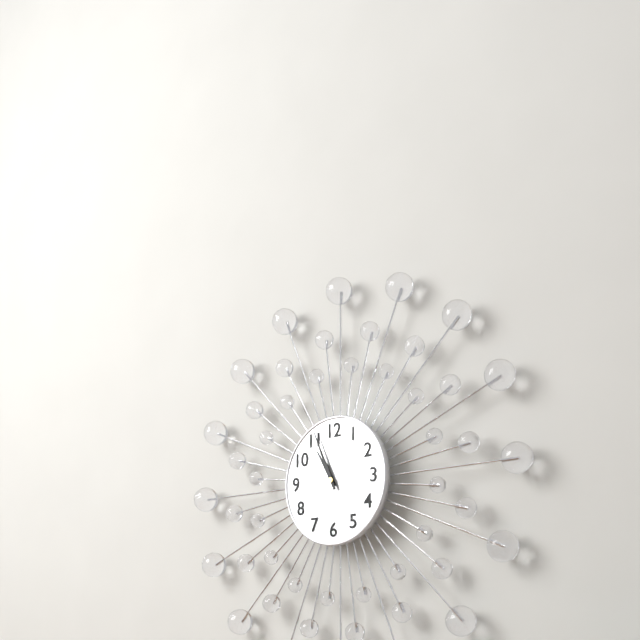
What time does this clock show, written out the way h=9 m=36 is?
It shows h=10 m=56
